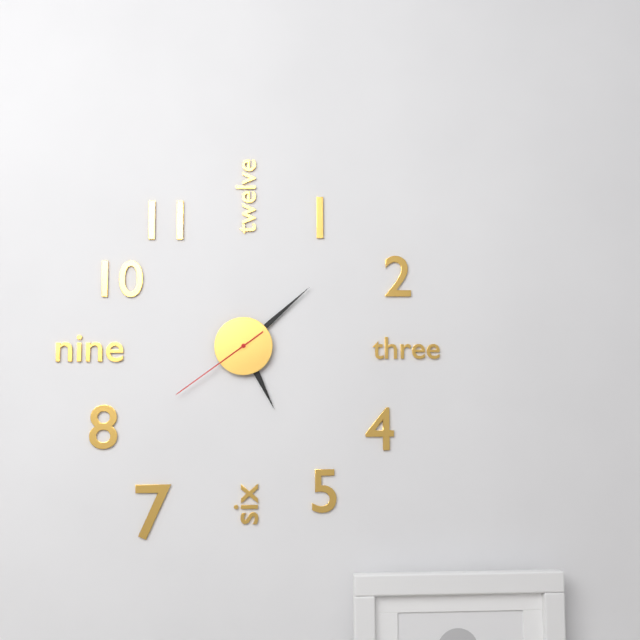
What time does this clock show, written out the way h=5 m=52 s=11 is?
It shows h=5 m=8 s=39
